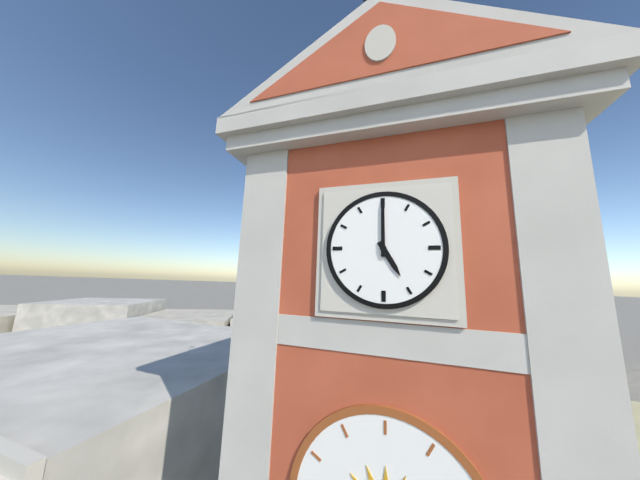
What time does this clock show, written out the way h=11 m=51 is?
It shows h=5 m=0
